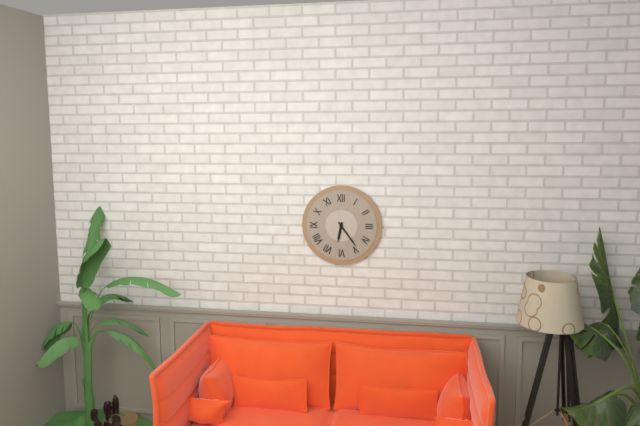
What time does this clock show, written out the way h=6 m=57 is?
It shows h=6 m=24
